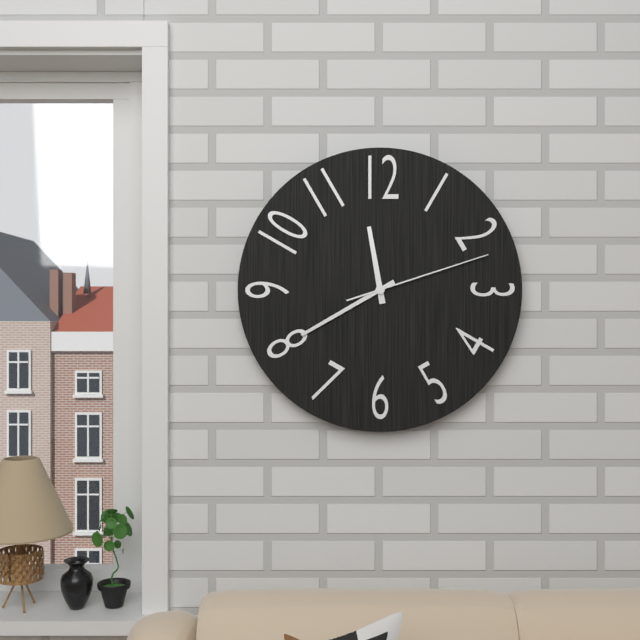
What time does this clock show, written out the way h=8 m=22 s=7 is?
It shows h=11 m=40 s=12
